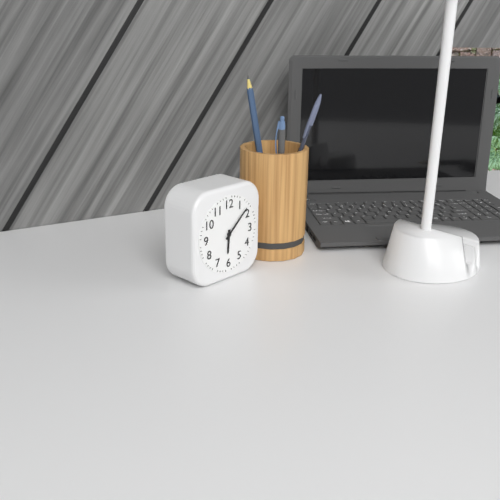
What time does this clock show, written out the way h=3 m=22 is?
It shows h=6 m=8
